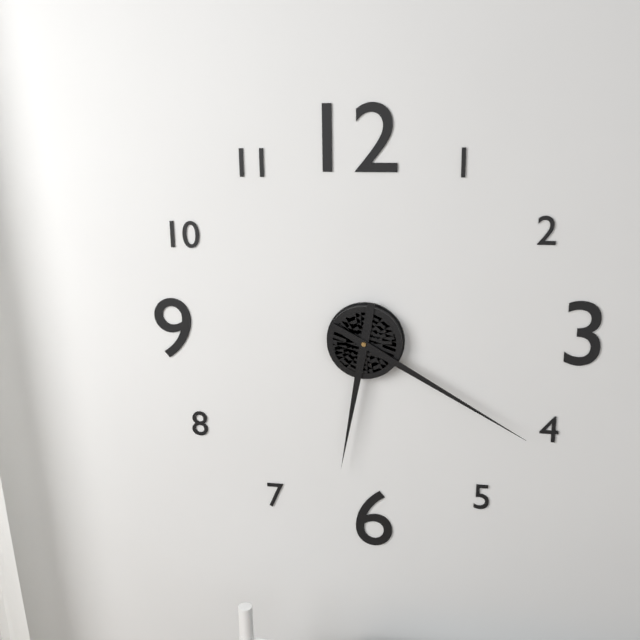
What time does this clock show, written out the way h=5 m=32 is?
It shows h=6 m=20
